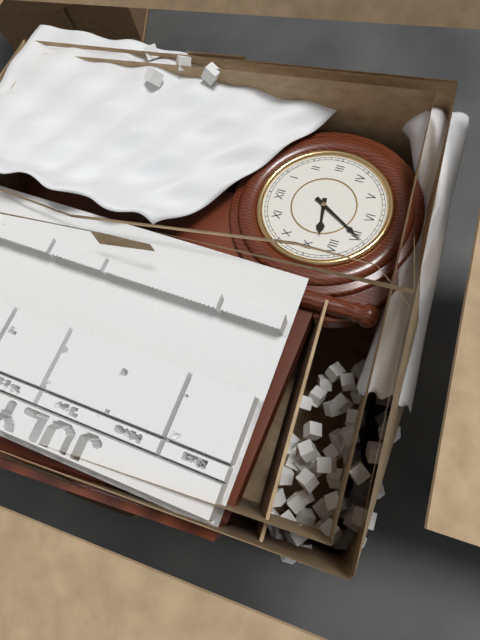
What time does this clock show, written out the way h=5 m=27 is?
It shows h=8 m=35
